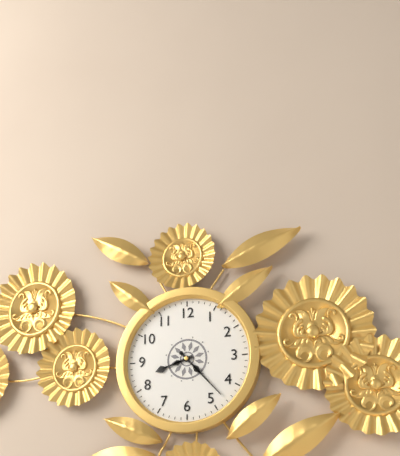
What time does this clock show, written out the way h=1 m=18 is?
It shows h=8 m=23
